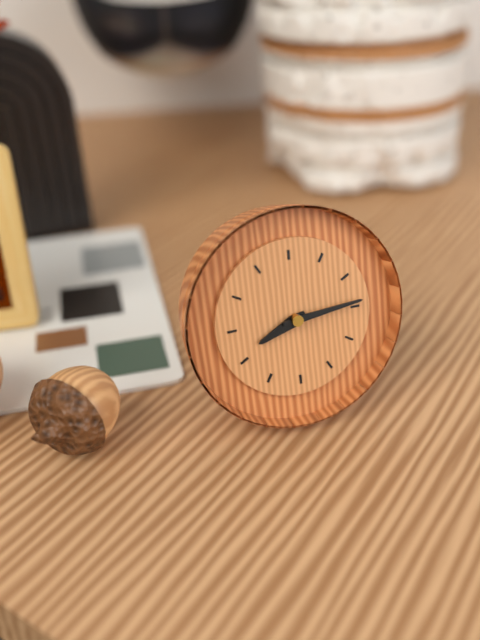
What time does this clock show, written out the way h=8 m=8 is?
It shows h=8 m=14
